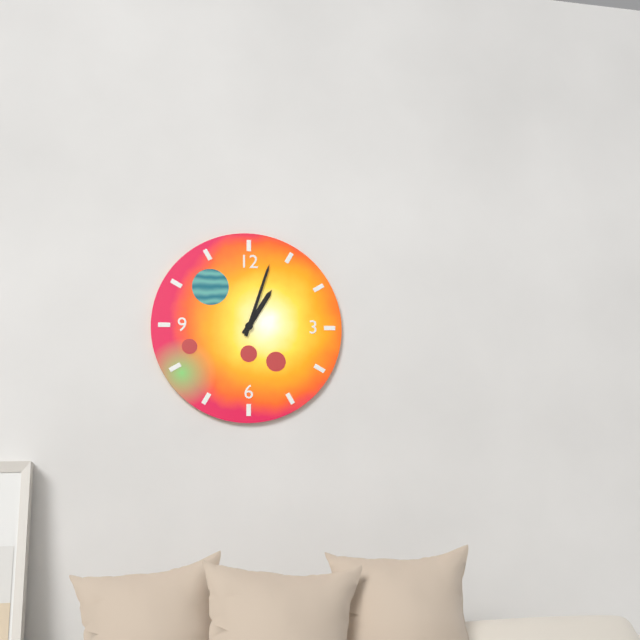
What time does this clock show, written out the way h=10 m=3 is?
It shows h=1 m=3
